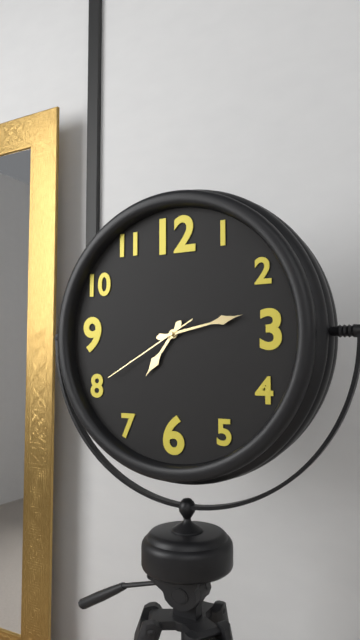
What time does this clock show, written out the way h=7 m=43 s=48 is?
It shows h=7 m=13 s=40
